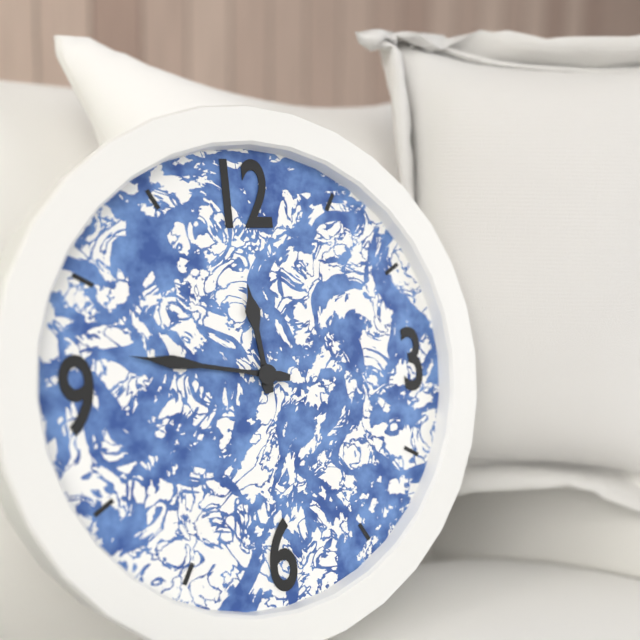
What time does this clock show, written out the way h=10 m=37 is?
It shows h=11 m=47
